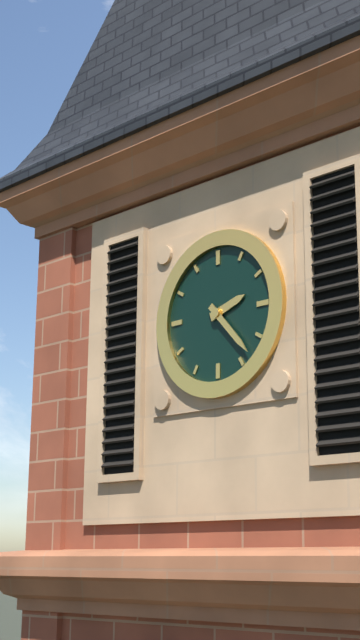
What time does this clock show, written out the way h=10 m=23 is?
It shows h=2 m=23
